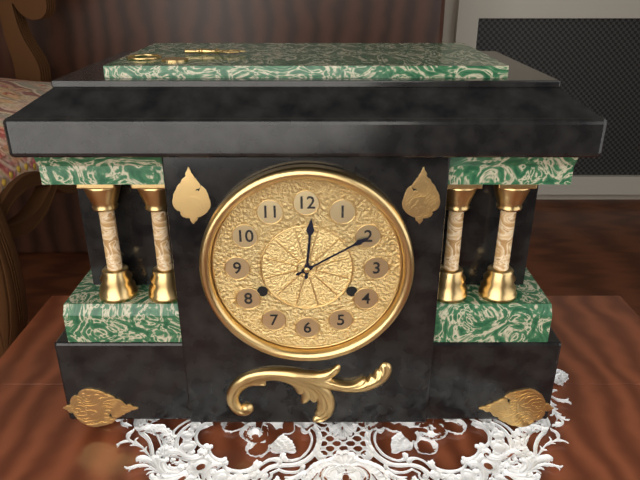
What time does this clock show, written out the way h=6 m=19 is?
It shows h=12 m=10
